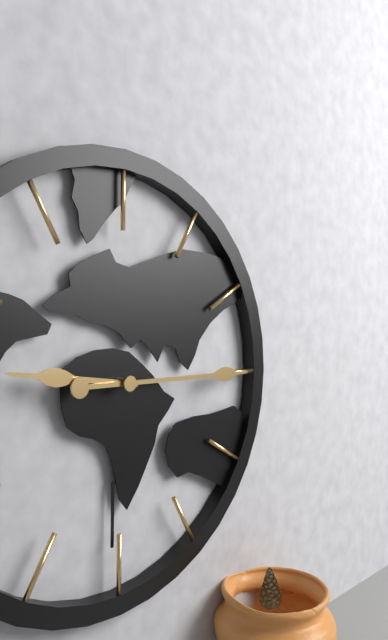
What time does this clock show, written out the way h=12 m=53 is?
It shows h=9 m=15
